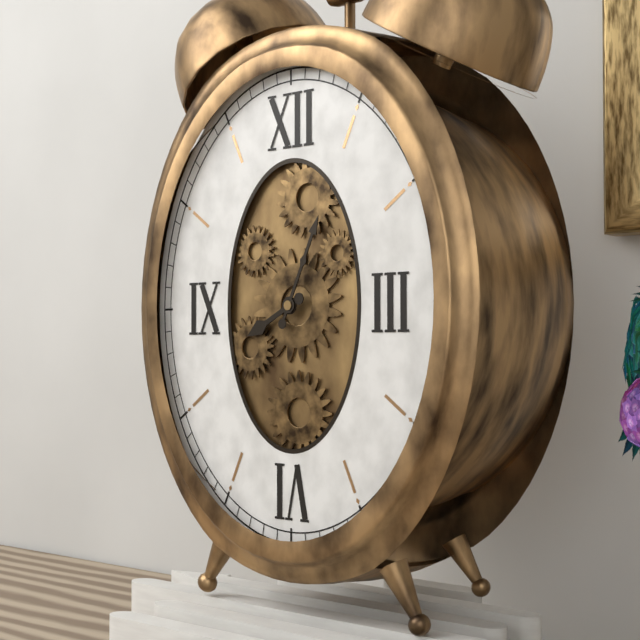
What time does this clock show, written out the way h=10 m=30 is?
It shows h=8 m=4
